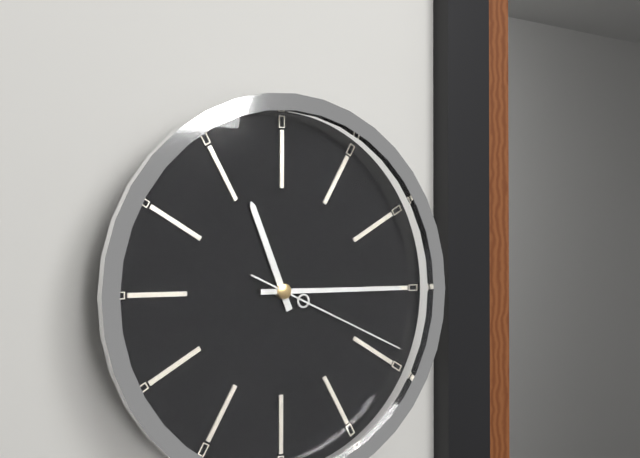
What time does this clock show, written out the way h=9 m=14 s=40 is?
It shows h=11 m=15 s=19
